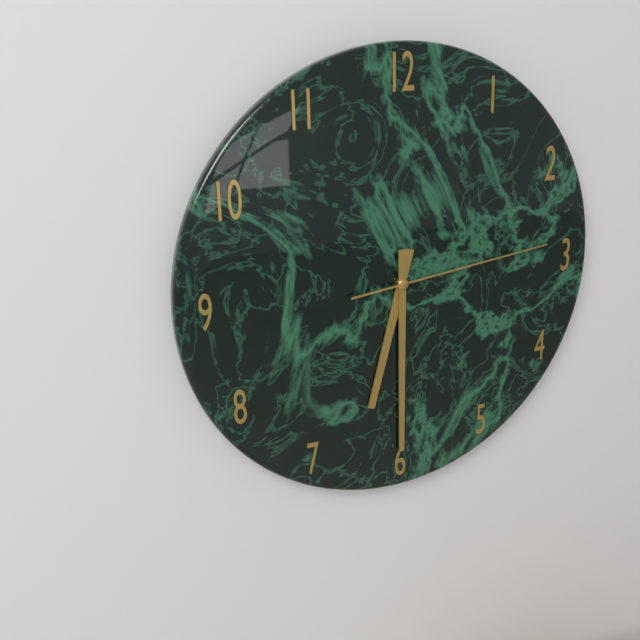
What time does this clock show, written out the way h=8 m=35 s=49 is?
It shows h=6 m=30 s=14
